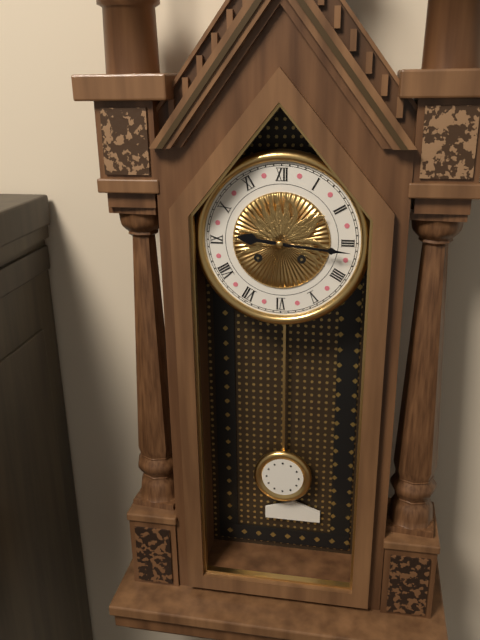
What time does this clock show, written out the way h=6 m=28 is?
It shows h=9 m=16
